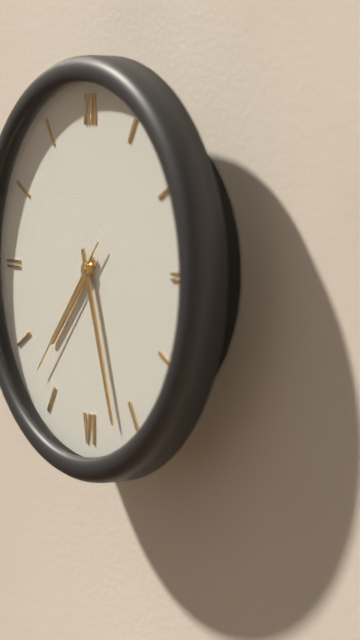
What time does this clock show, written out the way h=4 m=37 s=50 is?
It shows h=7 m=27 s=37
